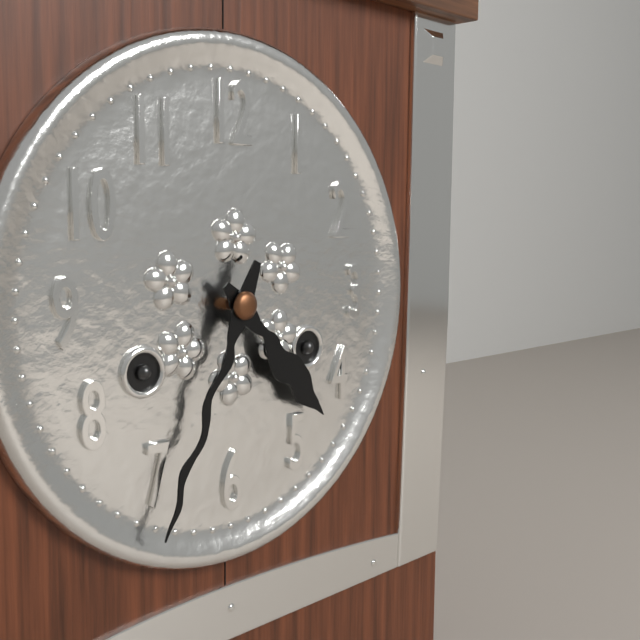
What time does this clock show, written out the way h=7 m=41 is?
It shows h=4 m=34
